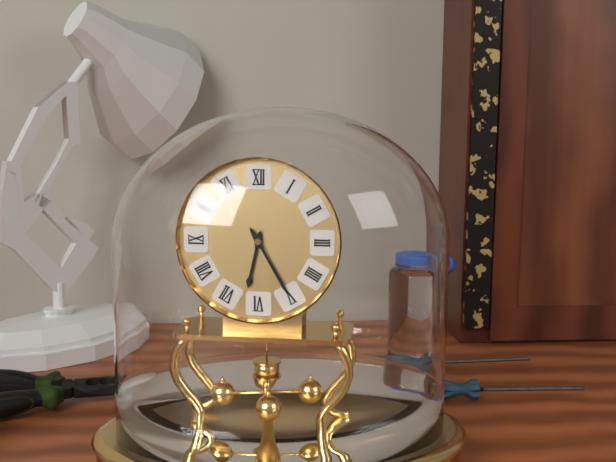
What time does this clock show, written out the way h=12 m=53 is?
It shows h=6 m=25
